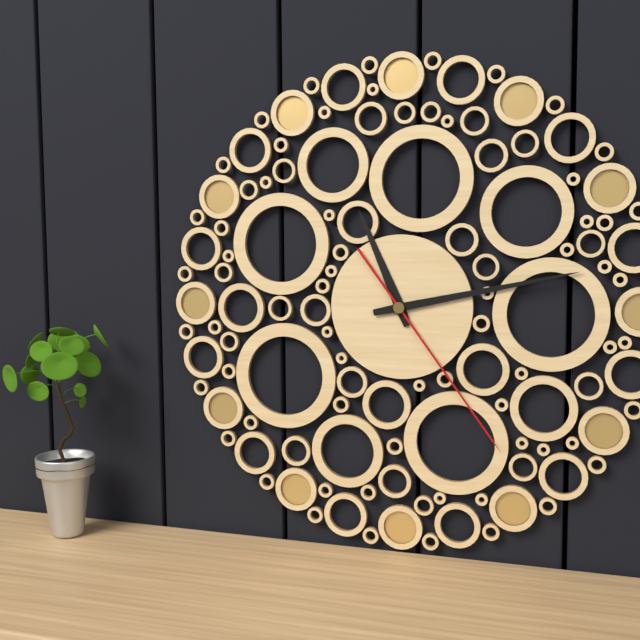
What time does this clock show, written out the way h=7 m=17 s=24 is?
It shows h=11 m=13 s=24
